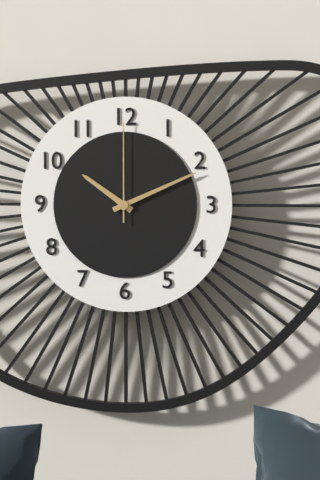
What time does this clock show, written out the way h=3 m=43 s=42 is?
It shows h=10 m=11 s=0
